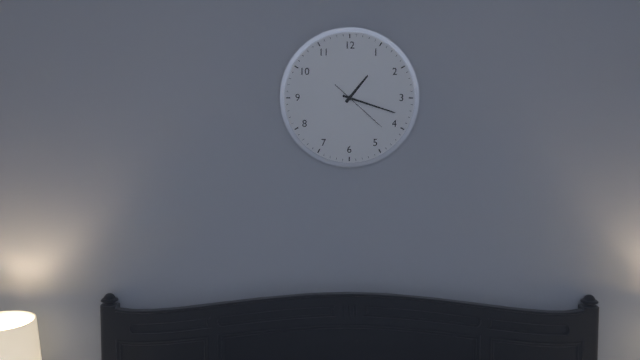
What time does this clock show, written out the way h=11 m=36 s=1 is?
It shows h=1 m=18 s=22
